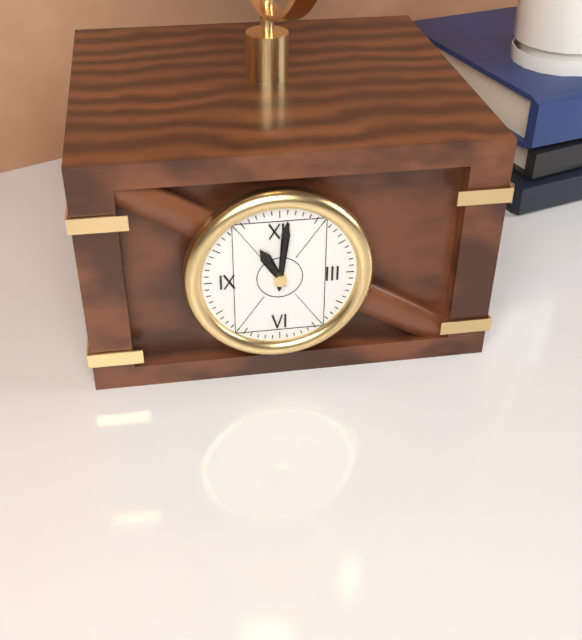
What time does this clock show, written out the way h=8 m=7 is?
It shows h=11 m=1
